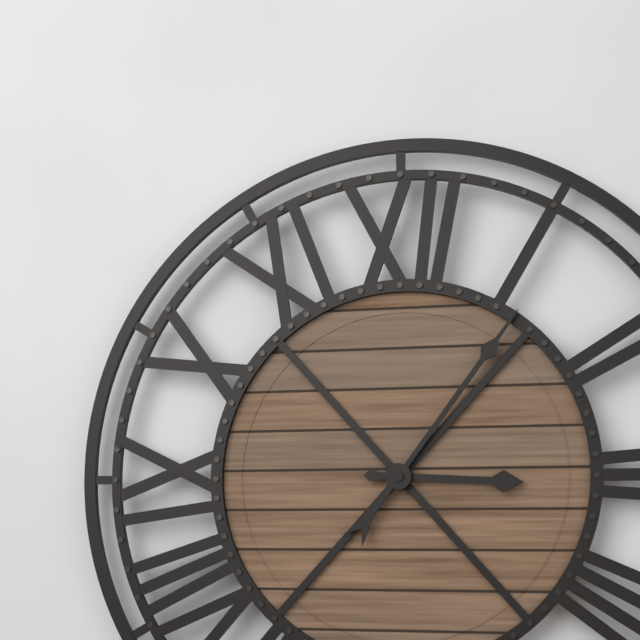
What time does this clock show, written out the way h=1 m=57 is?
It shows h=3 m=6
